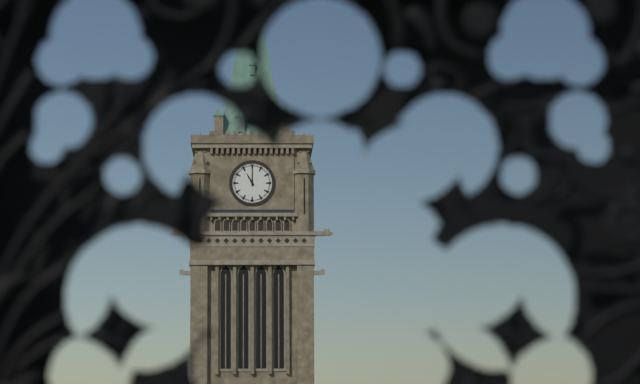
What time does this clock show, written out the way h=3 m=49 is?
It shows h=11 m=0
